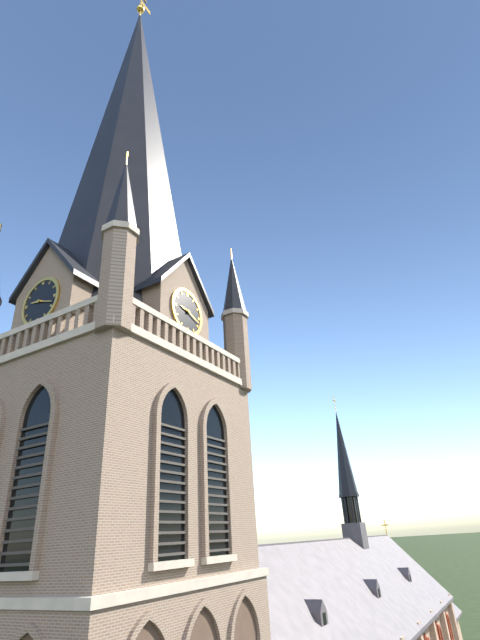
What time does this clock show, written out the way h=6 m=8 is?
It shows h=9 m=18
